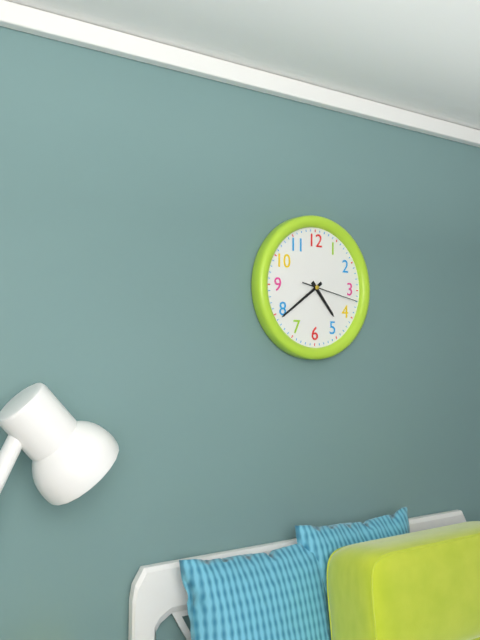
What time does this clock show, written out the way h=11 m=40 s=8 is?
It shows h=4 m=39 s=17
